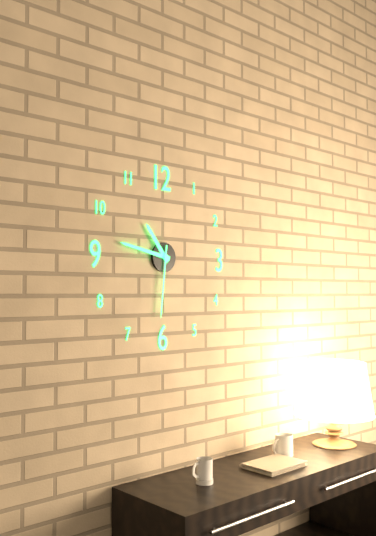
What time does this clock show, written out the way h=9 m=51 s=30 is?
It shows h=10 m=47 s=31
